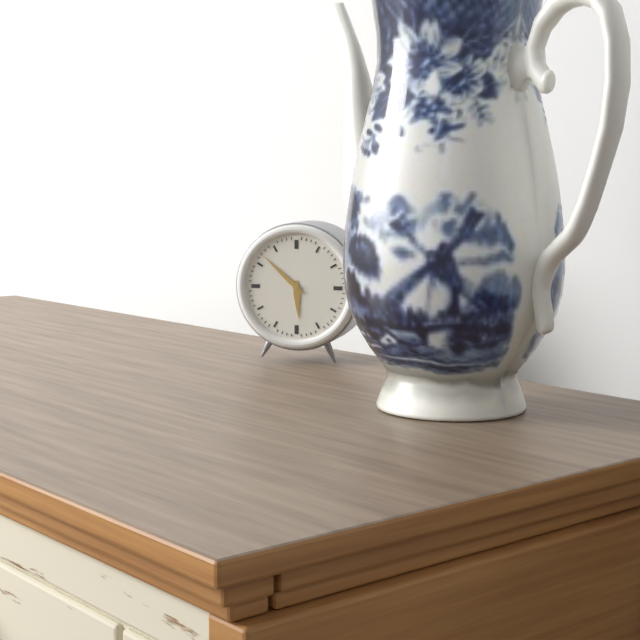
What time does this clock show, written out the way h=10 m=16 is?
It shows h=5 m=52
